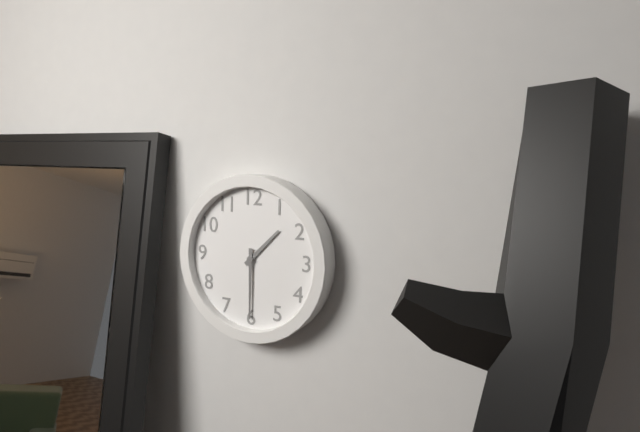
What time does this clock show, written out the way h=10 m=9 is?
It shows h=1 m=30
